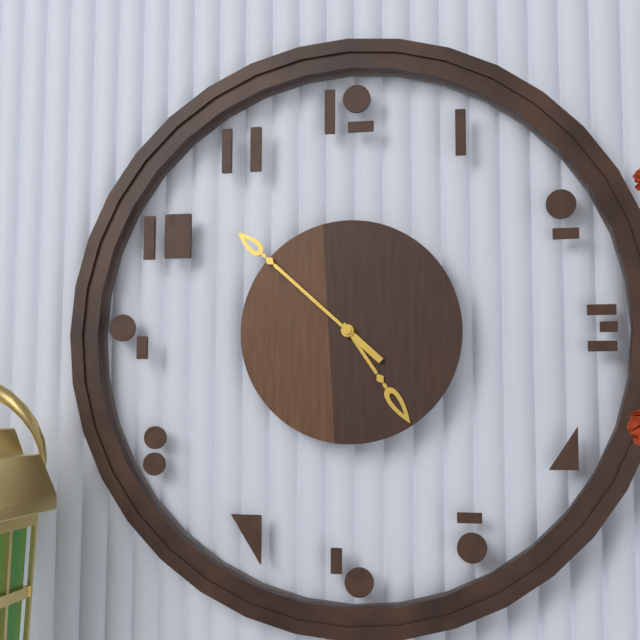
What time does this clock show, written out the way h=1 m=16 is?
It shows h=4 m=52
